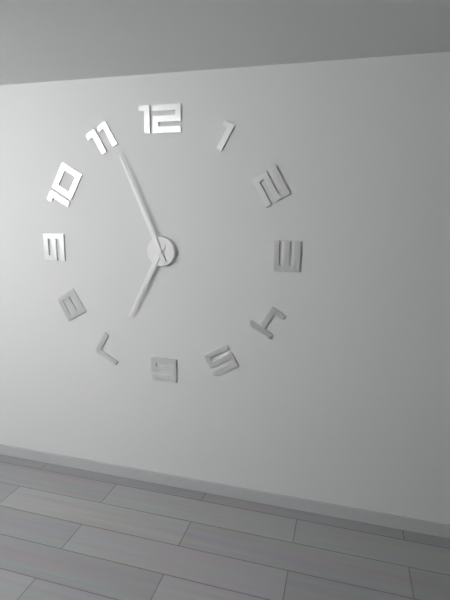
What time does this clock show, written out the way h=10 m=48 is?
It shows h=6 m=56
